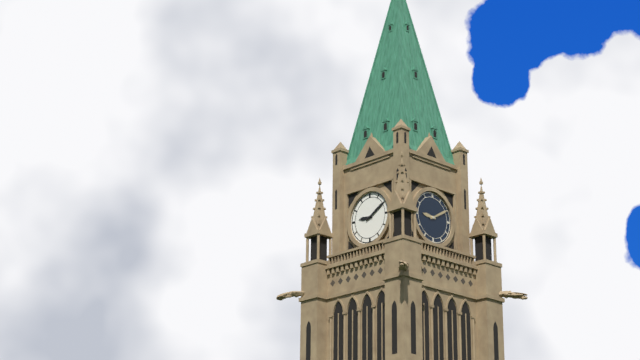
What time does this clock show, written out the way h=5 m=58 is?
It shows h=9 m=10
